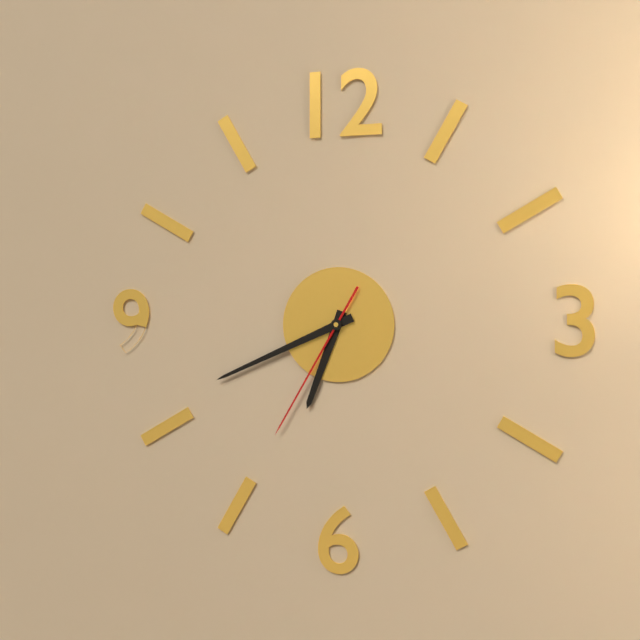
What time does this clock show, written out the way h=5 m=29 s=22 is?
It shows h=6 m=41 s=35
